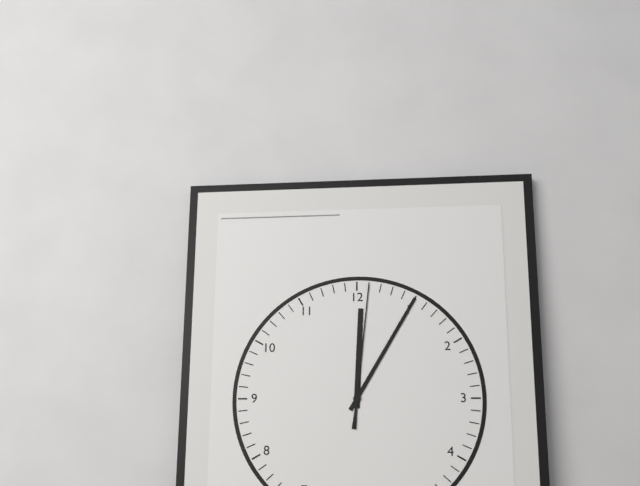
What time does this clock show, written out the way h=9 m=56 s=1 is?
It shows h=12 m=5 s=1
